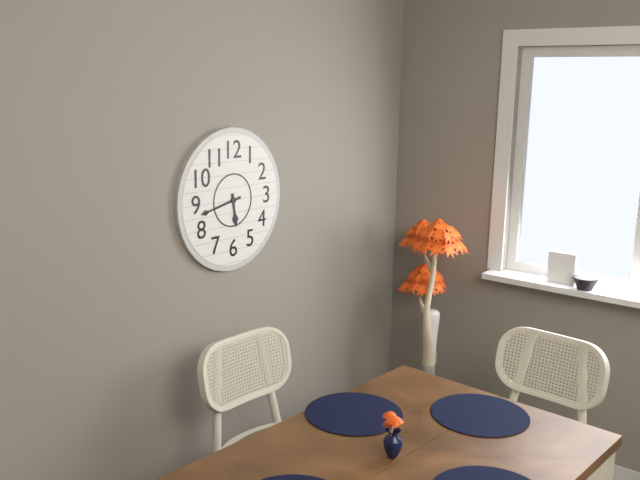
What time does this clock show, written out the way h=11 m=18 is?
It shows h=5 m=43
